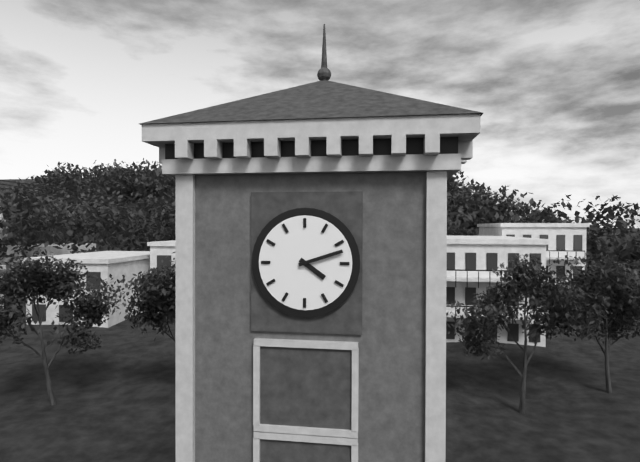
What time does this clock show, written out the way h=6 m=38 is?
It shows h=4 m=12
